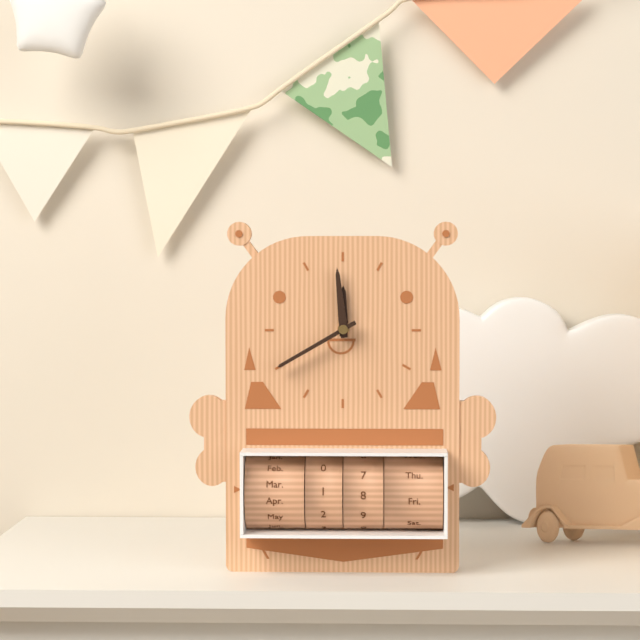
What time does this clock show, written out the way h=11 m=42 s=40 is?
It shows h=11 m=59 s=40
